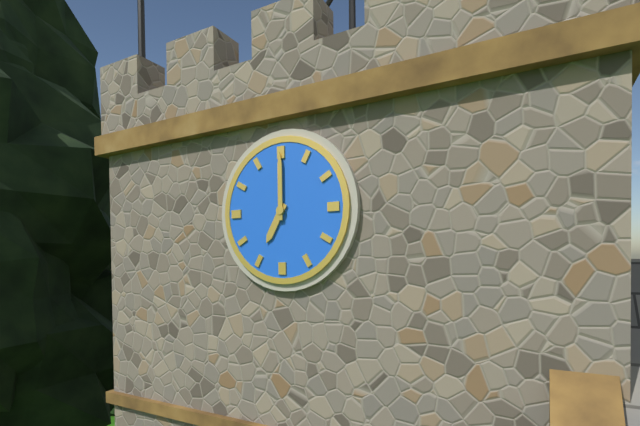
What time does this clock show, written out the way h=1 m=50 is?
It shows h=7 m=0
